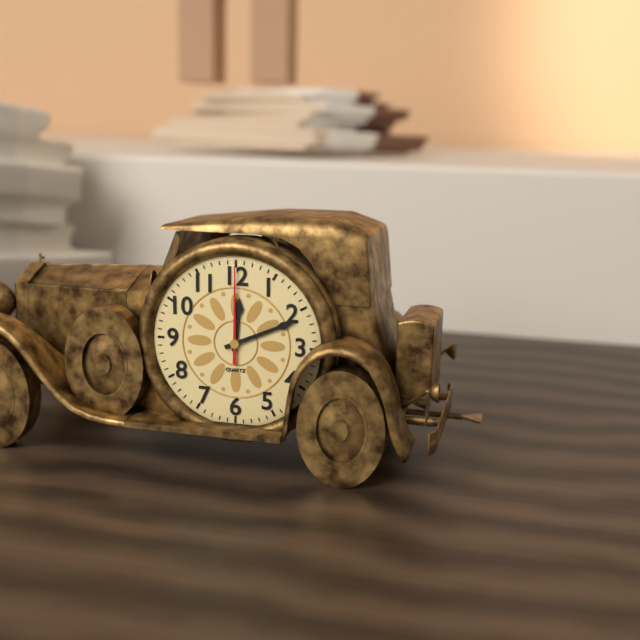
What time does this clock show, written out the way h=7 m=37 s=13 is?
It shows h=12 m=11 s=0
